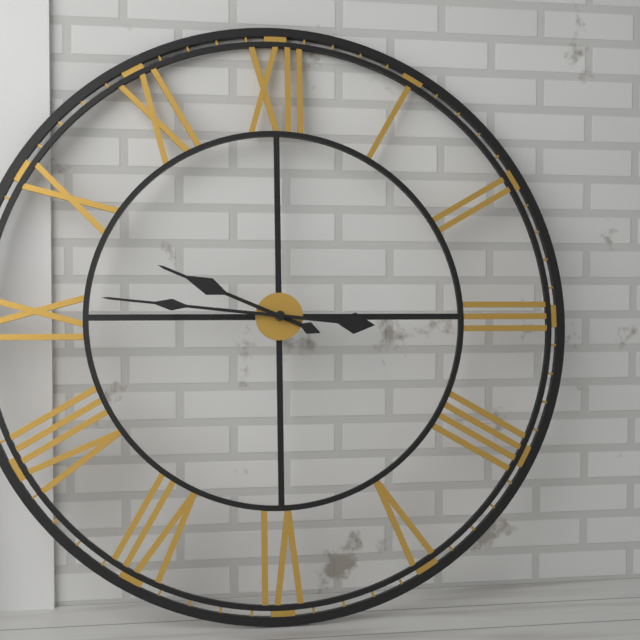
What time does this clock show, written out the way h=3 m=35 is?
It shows h=9 m=46
